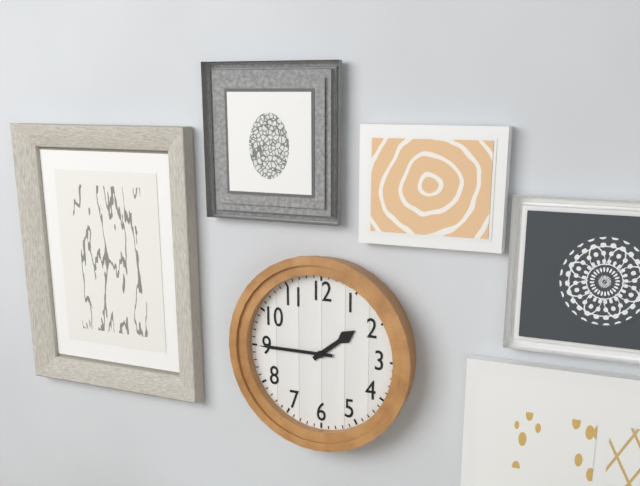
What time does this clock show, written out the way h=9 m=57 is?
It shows h=1 m=45
